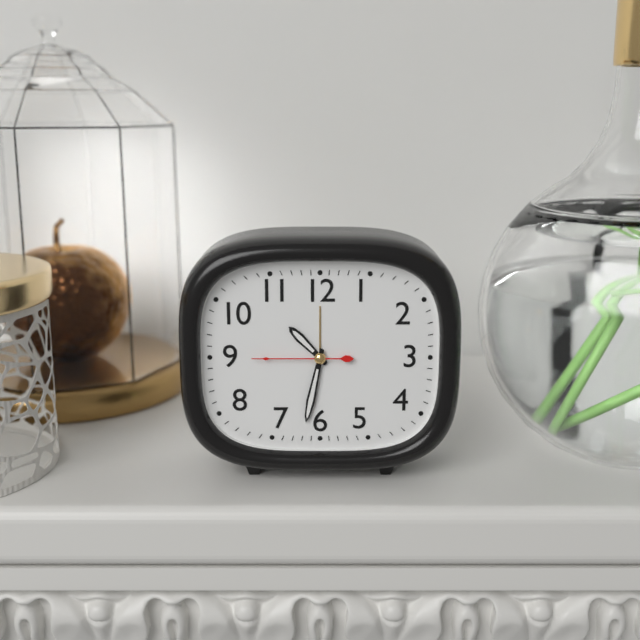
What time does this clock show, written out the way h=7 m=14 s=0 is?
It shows h=10 m=32 s=45
